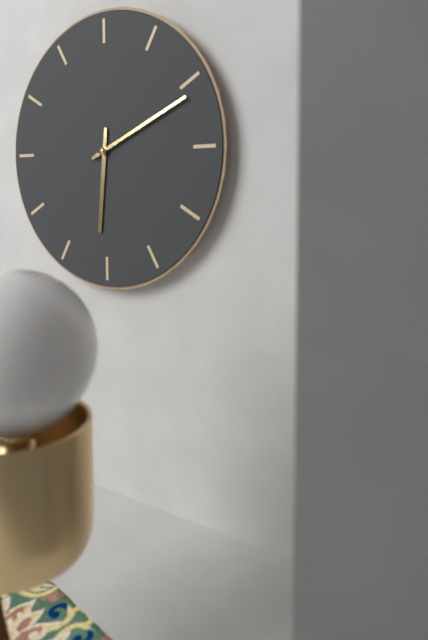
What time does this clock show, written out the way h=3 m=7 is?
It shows h=6 m=11
